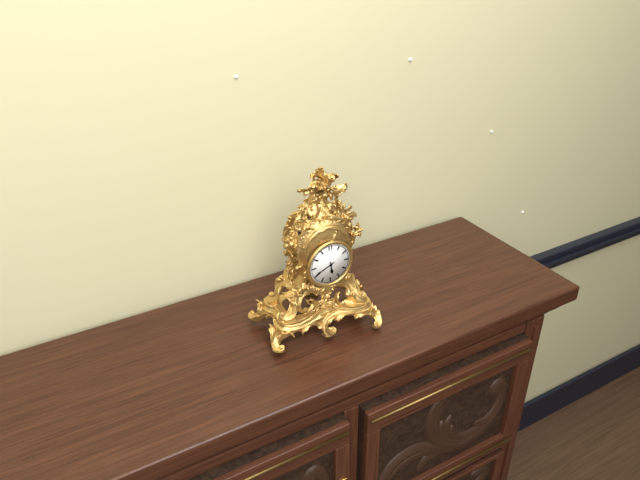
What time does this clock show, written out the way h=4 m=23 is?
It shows h=5 m=41
